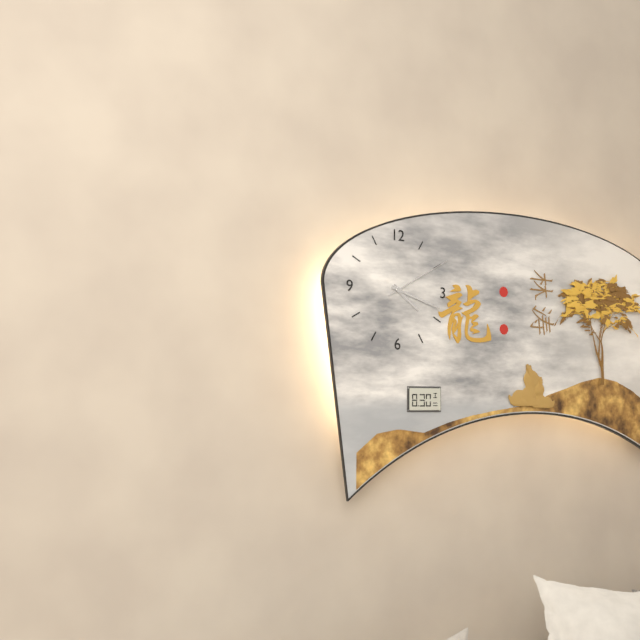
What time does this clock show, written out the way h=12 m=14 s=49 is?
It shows h=4 m=18 s=10
